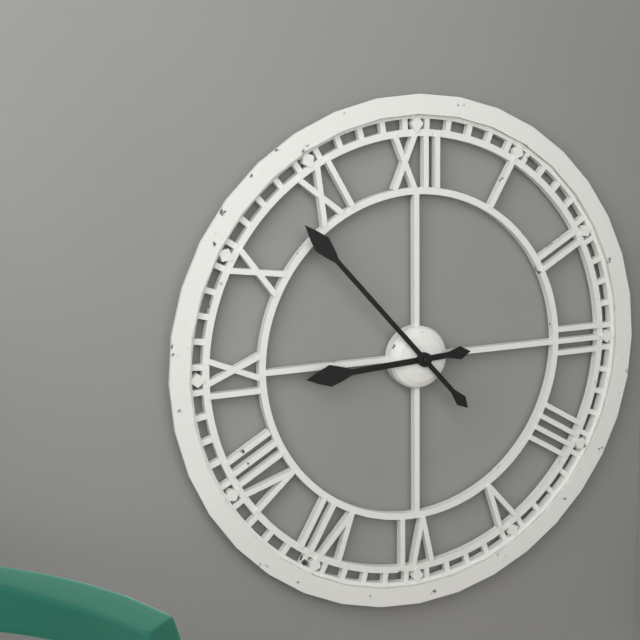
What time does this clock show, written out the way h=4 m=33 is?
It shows h=8 m=53
